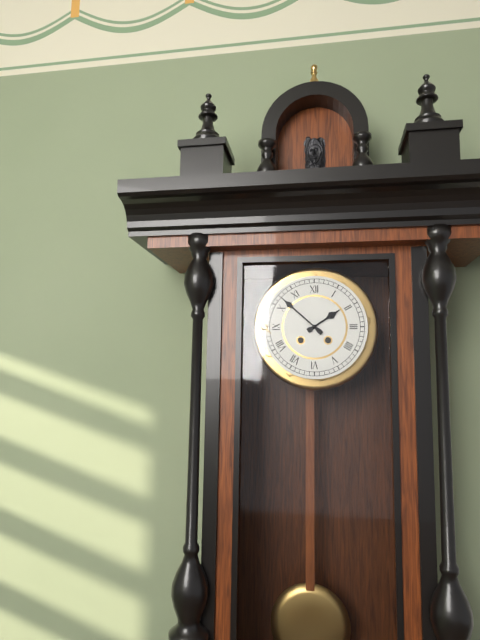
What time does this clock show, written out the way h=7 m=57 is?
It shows h=1 m=52
